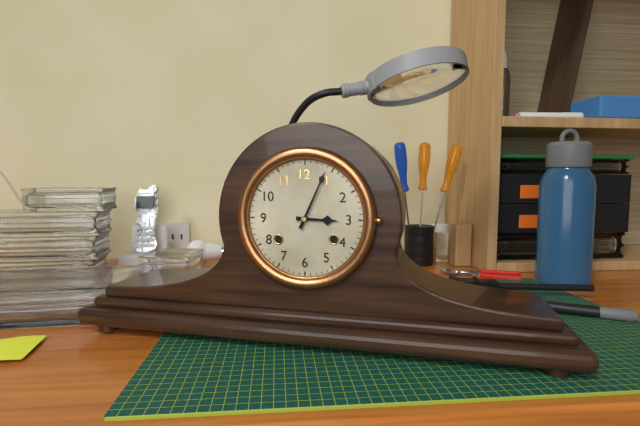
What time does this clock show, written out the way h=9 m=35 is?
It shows h=3 m=4
